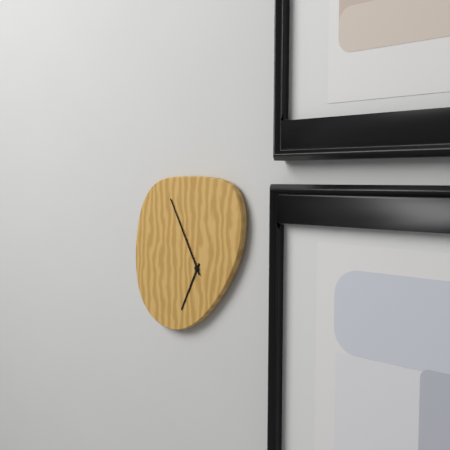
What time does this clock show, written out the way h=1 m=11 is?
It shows h=6 m=55
